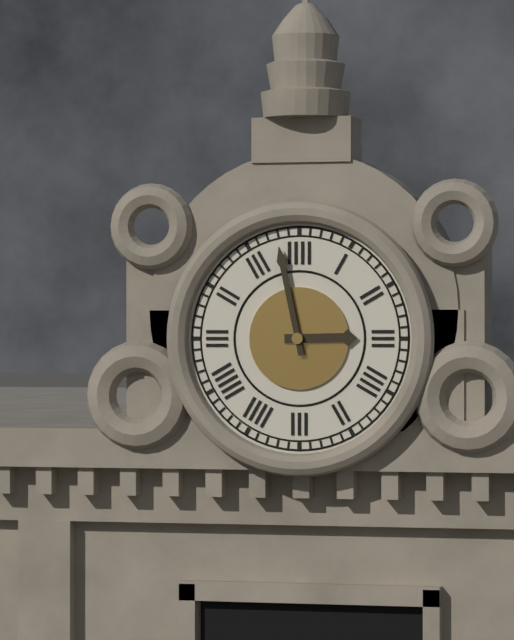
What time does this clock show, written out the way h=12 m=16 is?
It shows h=2 m=58
